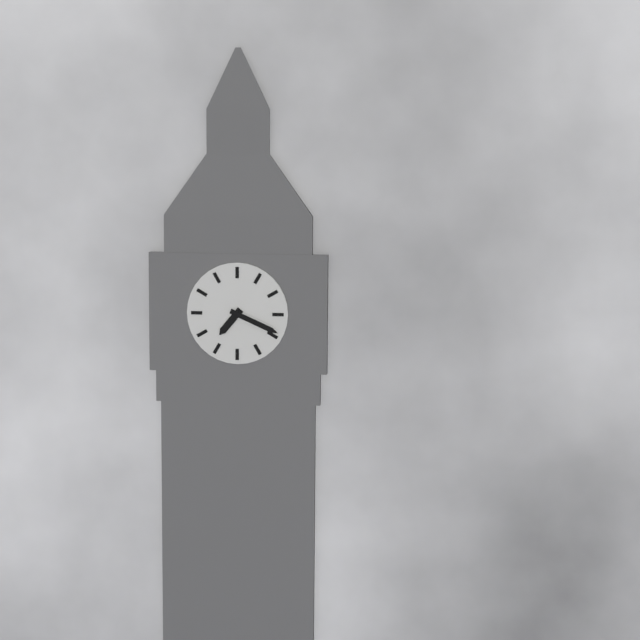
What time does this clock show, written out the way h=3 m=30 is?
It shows h=7 m=19
